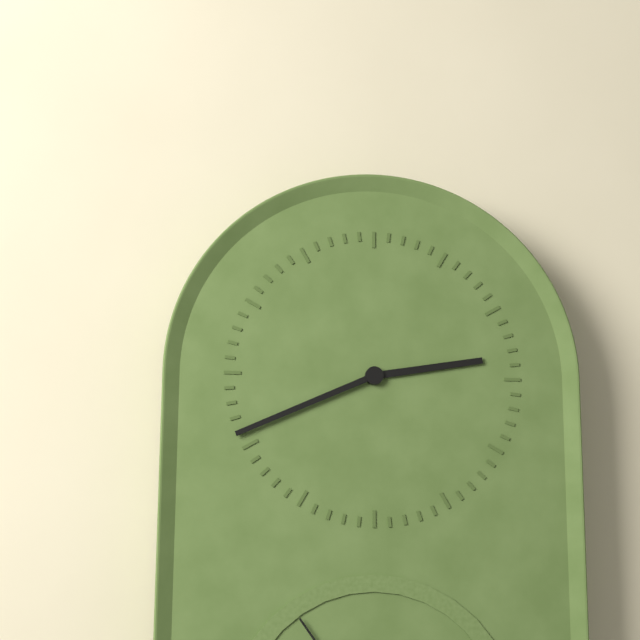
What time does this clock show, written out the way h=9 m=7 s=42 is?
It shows h=2 m=41 s=54
